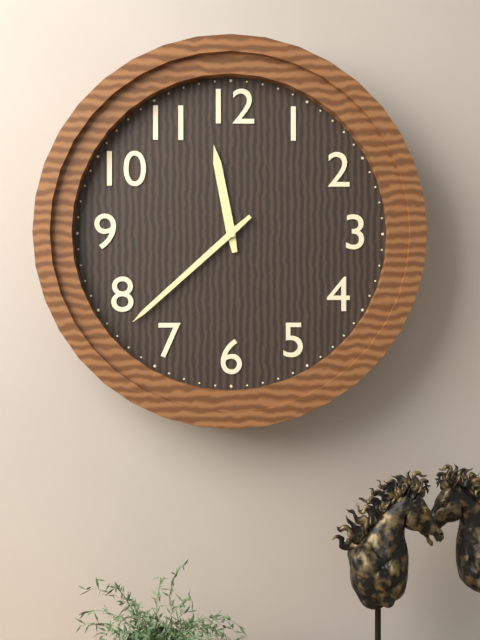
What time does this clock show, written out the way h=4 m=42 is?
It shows h=11 m=38
